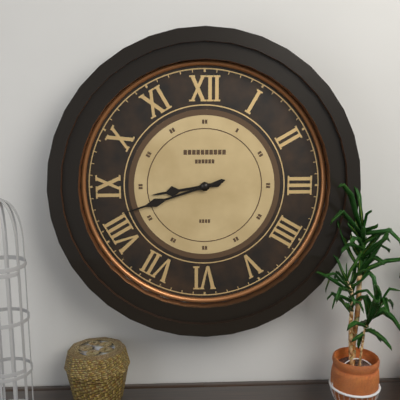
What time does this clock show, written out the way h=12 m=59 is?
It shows h=8 m=42
